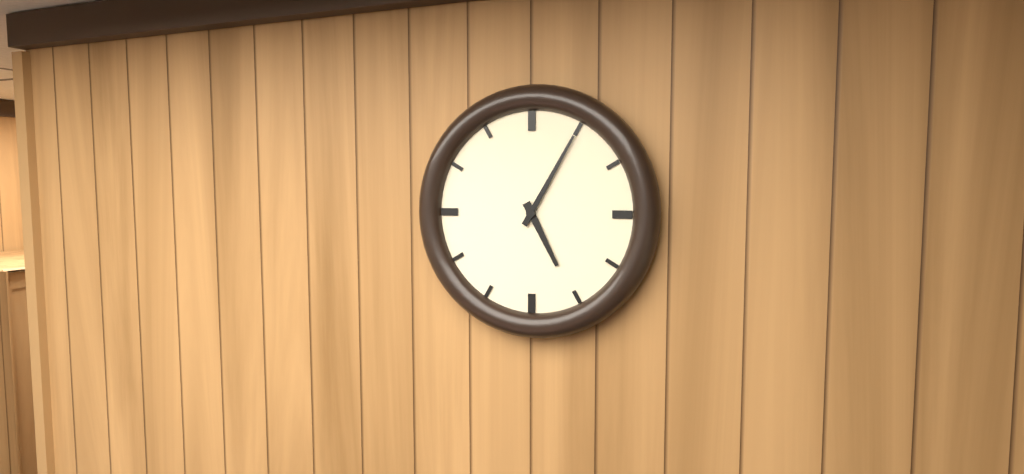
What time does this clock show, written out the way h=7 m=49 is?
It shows h=5 m=5
